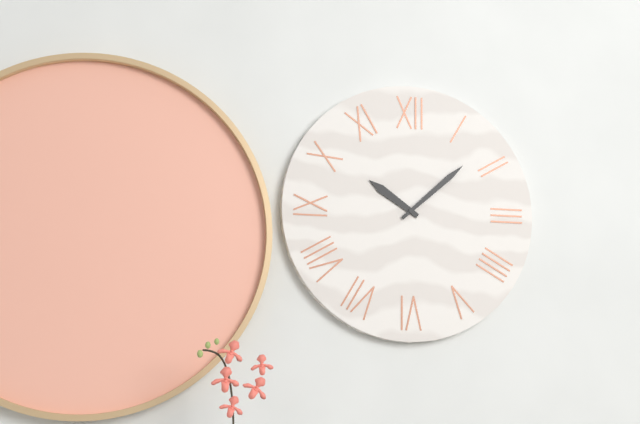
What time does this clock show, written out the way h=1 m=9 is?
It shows h=10 m=8
